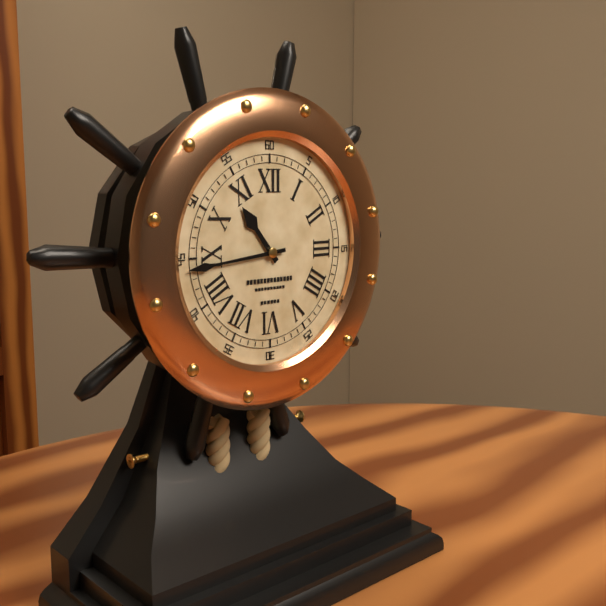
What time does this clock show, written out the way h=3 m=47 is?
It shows h=10 m=44
